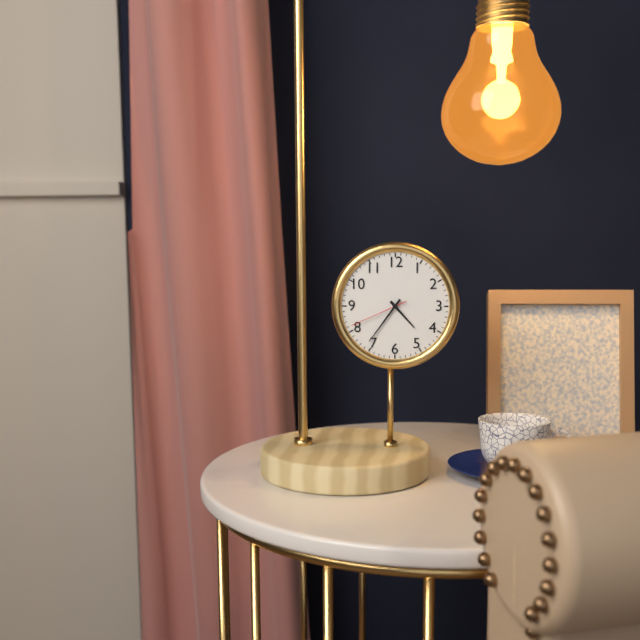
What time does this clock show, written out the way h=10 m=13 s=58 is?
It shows h=4 m=36 s=41
